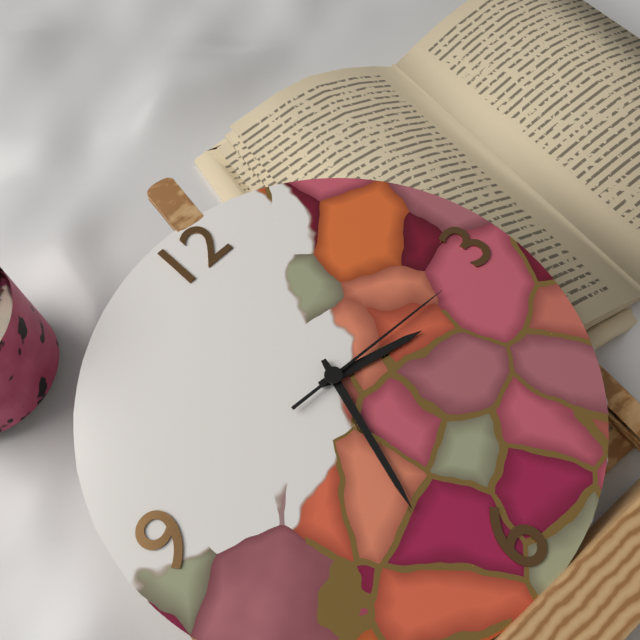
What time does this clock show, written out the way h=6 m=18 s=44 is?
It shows h=3 m=33 s=16
